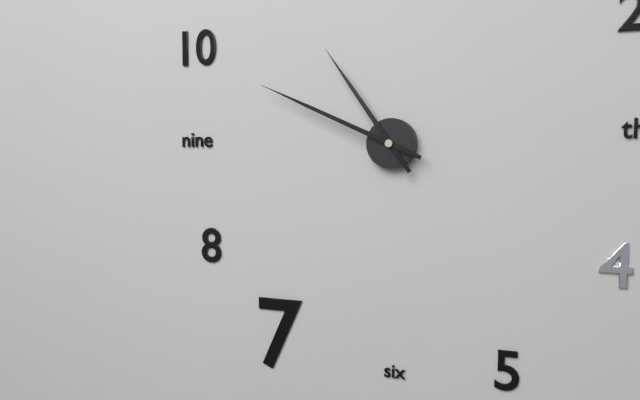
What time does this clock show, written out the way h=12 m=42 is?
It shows h=10 m=49
